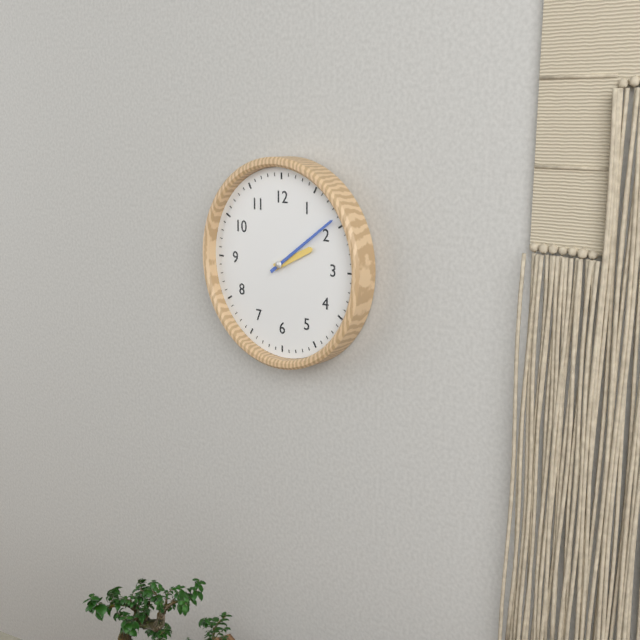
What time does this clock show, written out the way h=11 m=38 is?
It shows h=2 m=9
